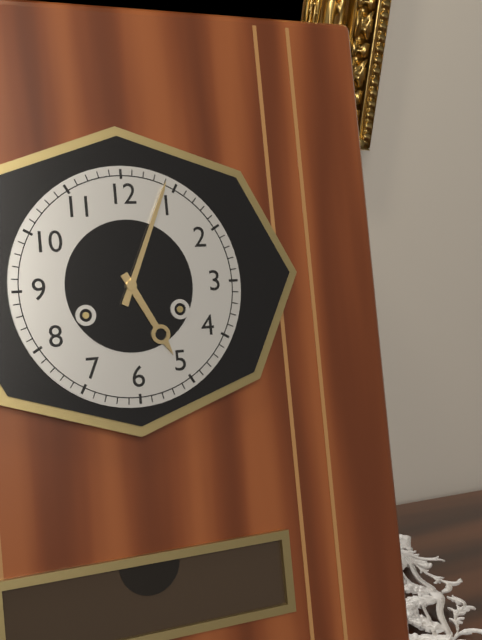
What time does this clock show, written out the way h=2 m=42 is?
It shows h=5 m=4
